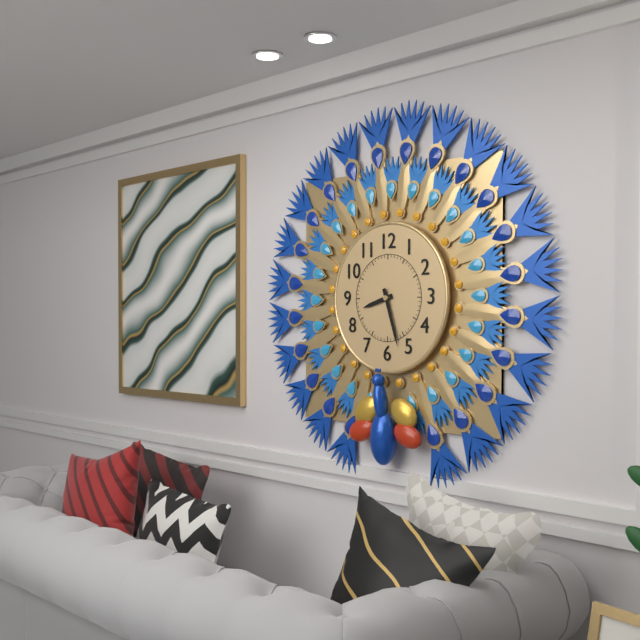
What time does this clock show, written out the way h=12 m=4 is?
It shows h=8 m=27
